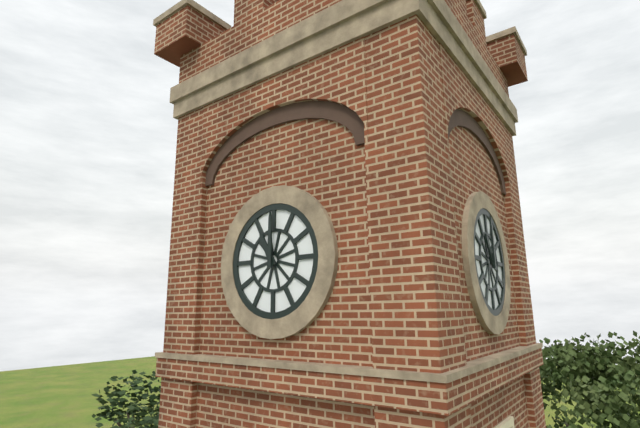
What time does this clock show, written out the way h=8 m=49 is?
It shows h=11 m=0
